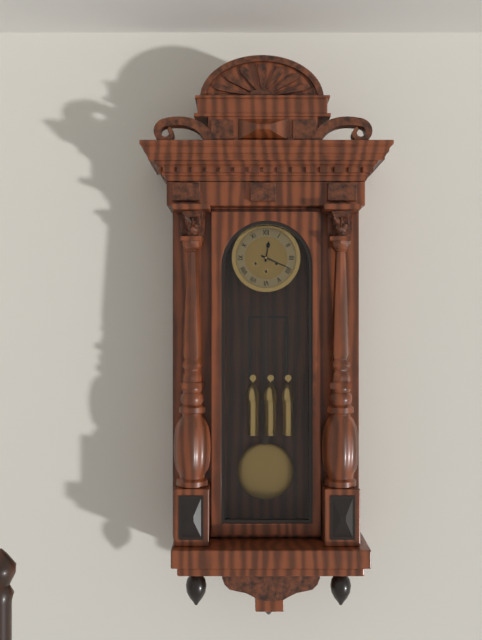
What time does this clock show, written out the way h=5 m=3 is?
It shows h=12 m=19
